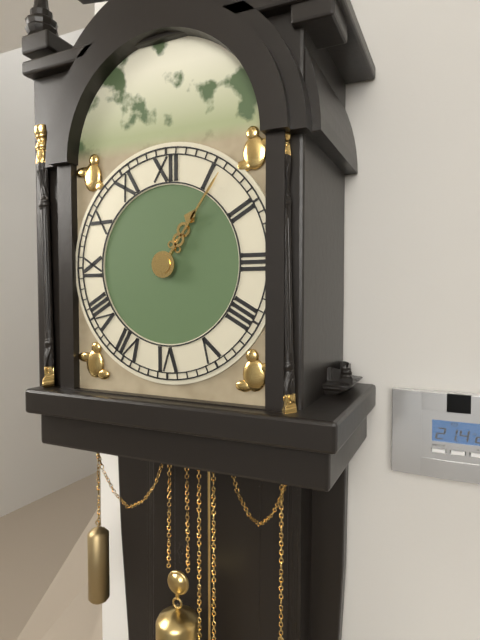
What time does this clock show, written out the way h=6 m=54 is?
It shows h=1 m=6
